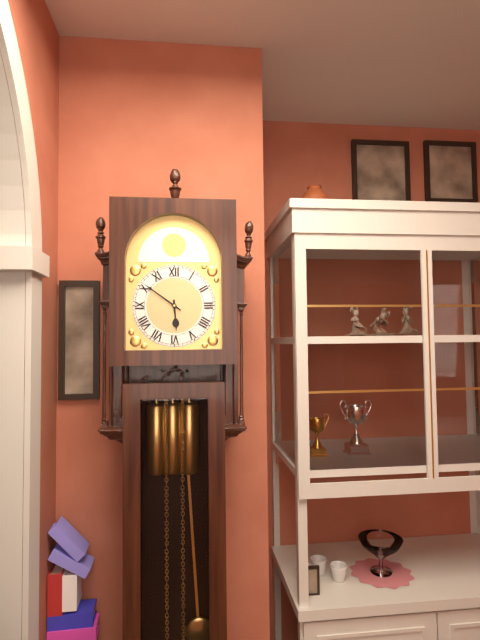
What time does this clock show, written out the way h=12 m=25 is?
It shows h=5 m=51
